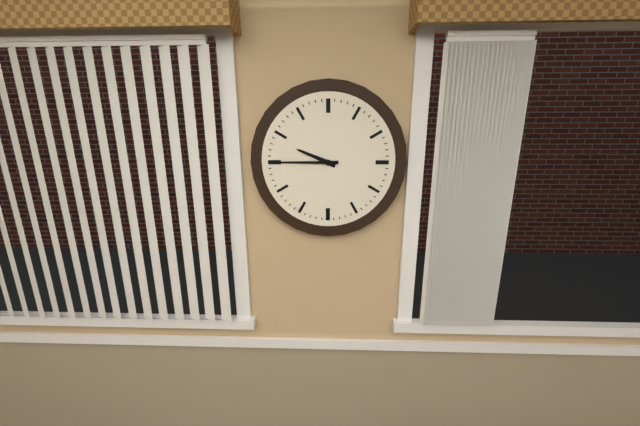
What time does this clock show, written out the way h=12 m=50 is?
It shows h=9 m=45
